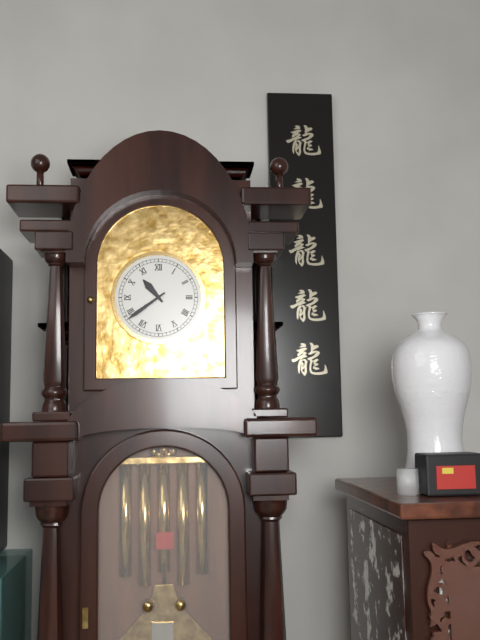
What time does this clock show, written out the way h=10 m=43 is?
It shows h=10 m=39
